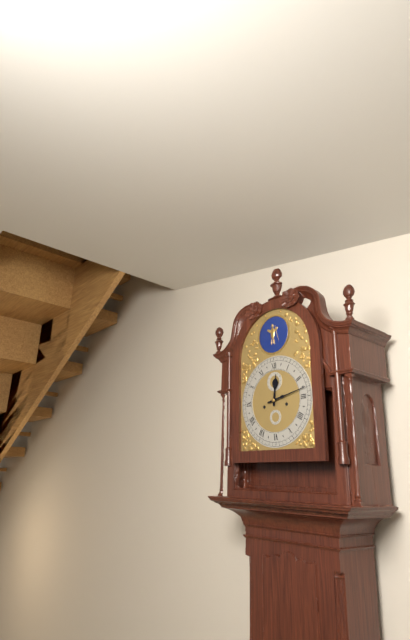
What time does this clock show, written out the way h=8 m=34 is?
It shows h=12 m=13
